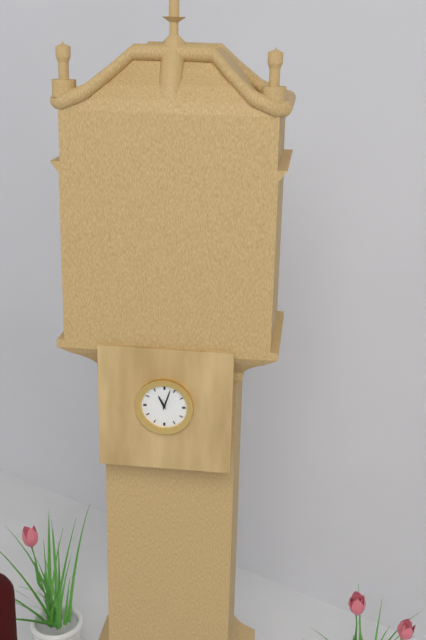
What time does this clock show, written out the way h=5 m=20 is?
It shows h=11 m=3
